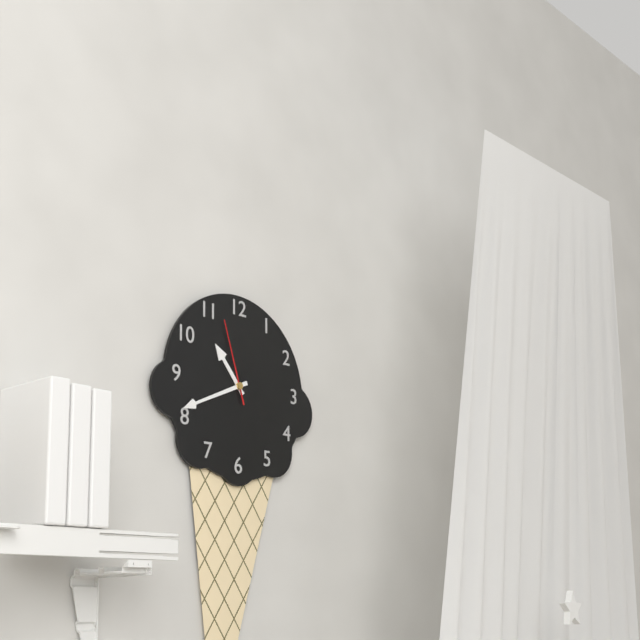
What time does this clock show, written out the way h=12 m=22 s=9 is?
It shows h=10 m=41 s=57
